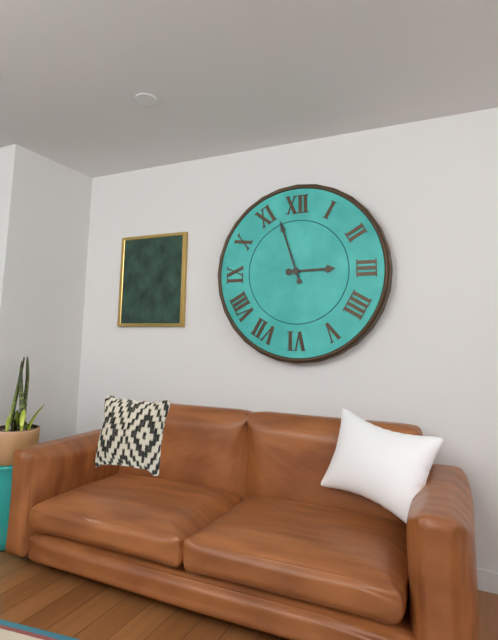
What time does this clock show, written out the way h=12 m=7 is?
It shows h=2 m=57
